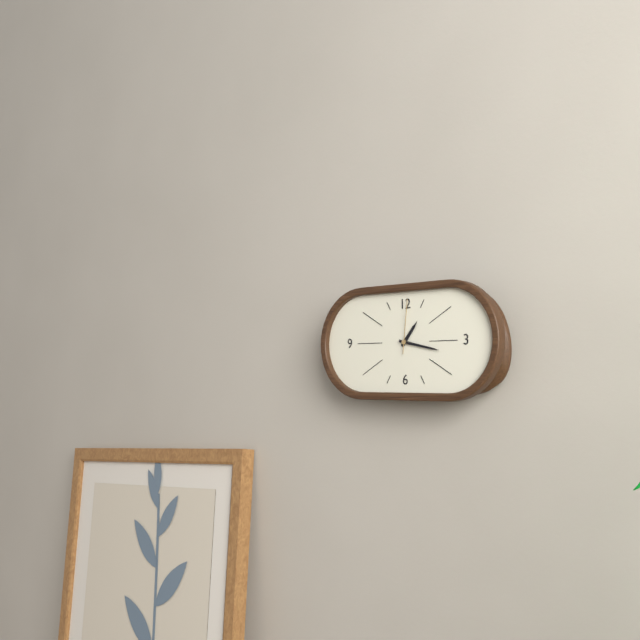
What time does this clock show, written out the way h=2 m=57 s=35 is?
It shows h=1 m=17 s=1
